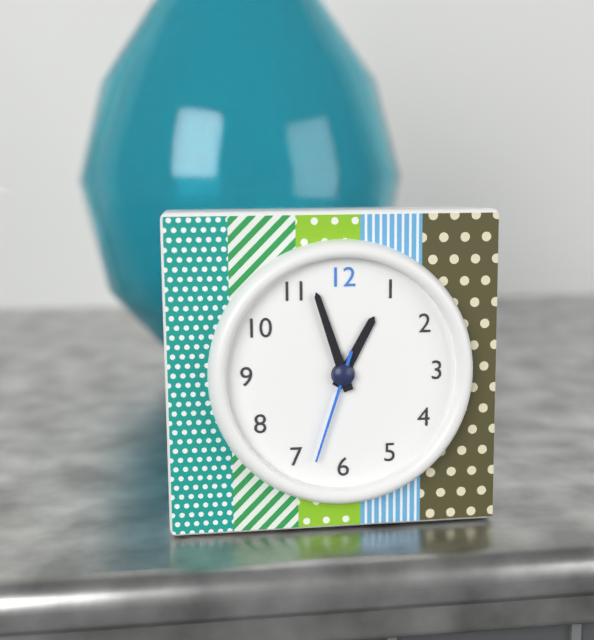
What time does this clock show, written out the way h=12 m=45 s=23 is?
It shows h=12 m=57 s=33
